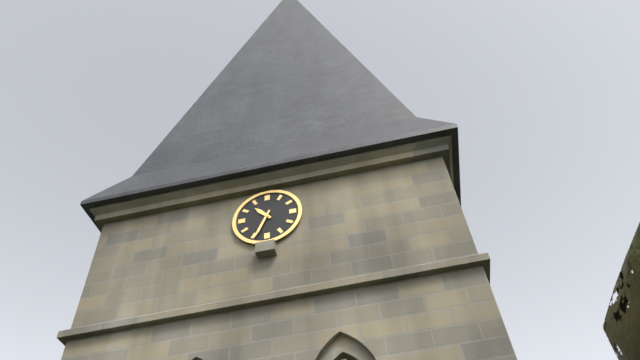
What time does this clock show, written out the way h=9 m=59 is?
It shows h=10 m=34
